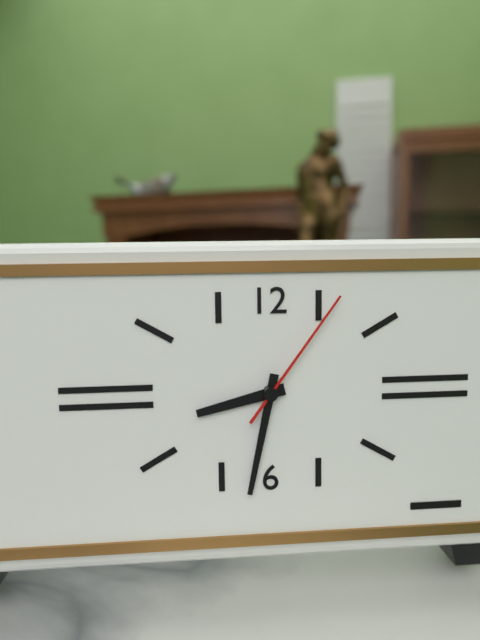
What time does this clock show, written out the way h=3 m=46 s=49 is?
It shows h=8 m=32 s=6
